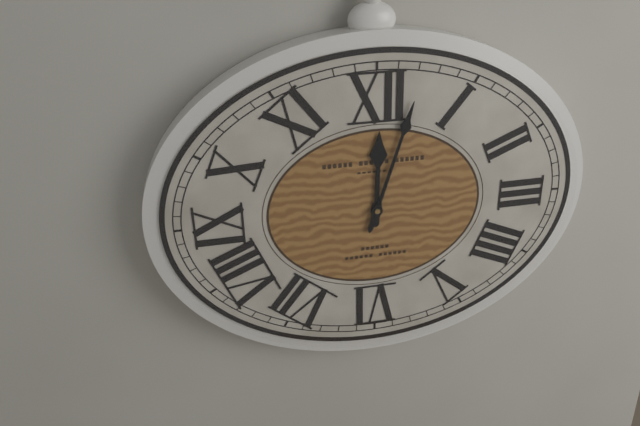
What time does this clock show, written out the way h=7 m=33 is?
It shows h=12 m=3
